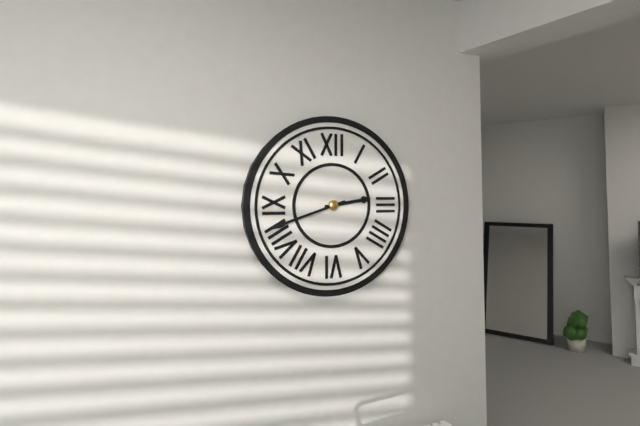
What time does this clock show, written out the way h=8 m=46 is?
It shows h=2 m=42
